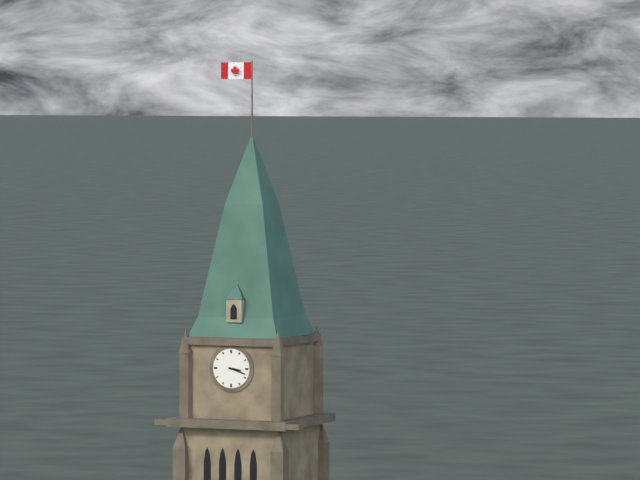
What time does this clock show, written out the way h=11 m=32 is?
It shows h=3 m=18
